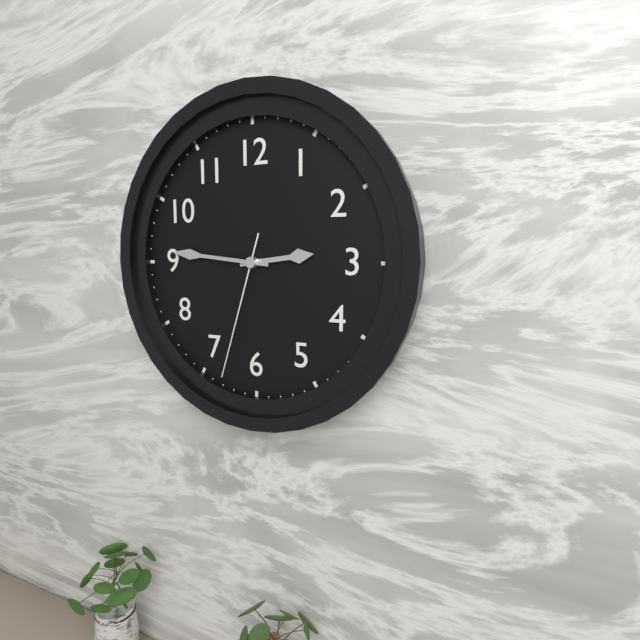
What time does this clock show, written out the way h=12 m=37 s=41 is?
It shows h=2 m=46 s=33
